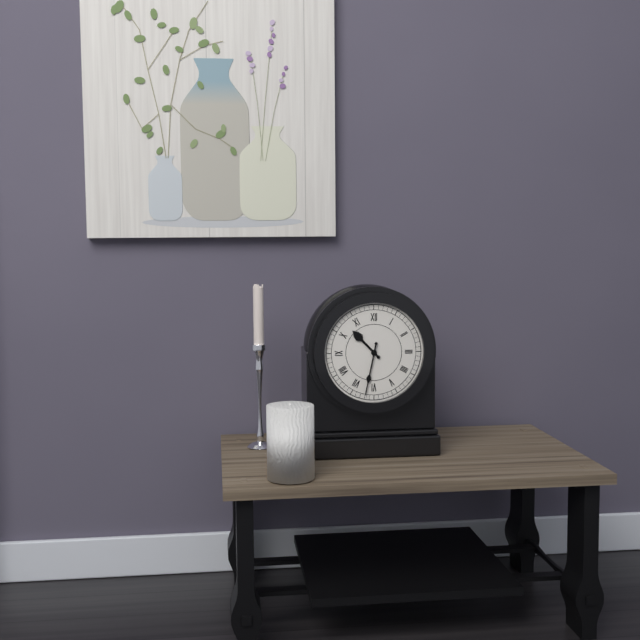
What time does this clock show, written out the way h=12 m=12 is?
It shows h=10 m=32
